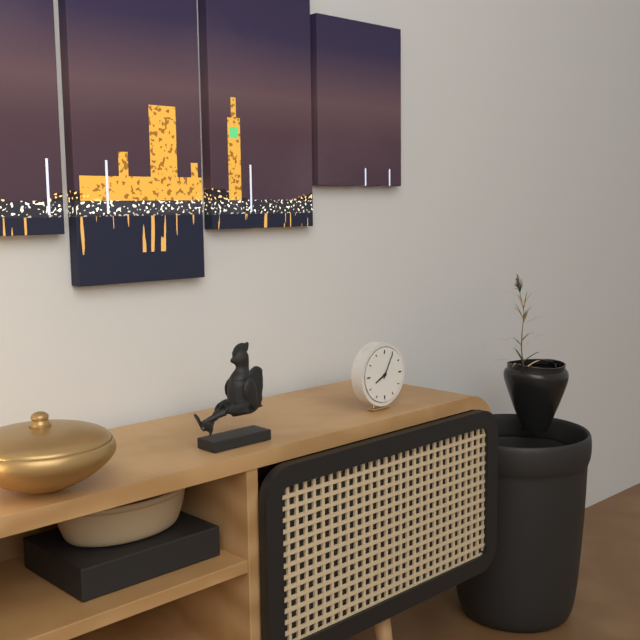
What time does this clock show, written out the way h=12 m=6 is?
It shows h=8 m=5
